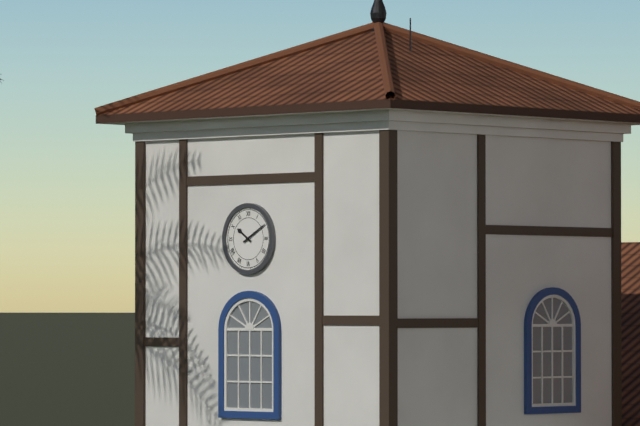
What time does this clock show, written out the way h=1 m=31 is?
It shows h=10 m=10
